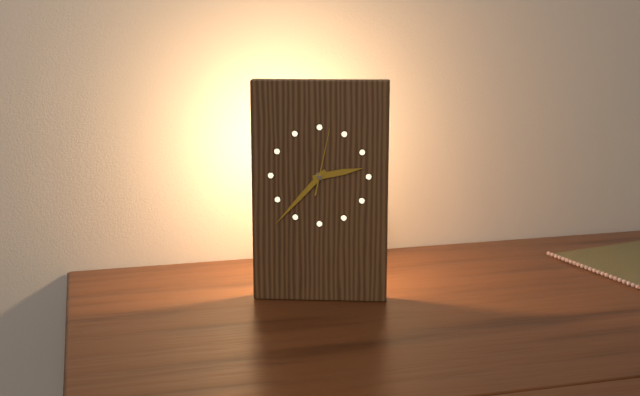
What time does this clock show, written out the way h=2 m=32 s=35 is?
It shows h=2 m=37 s=2
